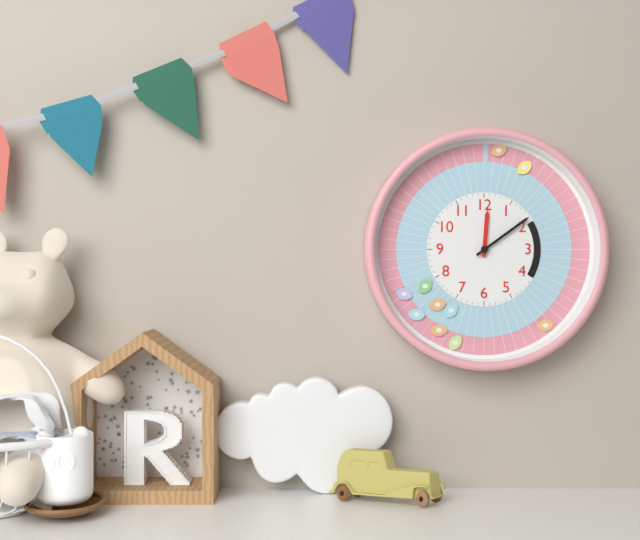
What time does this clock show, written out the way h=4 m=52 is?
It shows h=12 m=9
